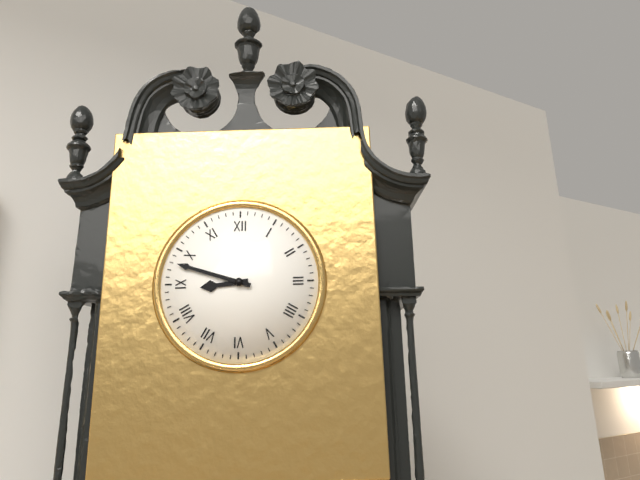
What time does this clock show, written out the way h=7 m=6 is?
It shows h=8 m=48
